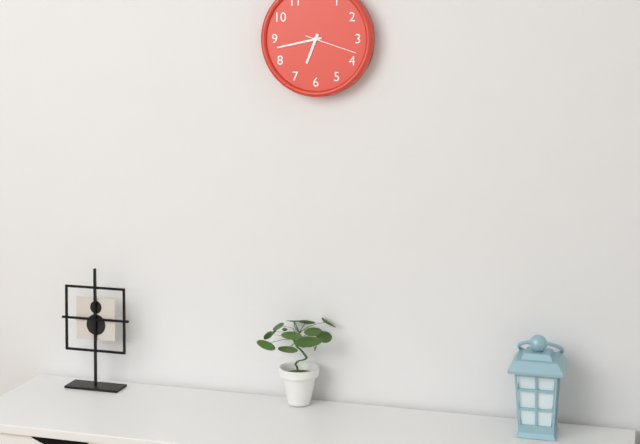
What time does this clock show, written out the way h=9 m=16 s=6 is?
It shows h=6 m=43 s=18
